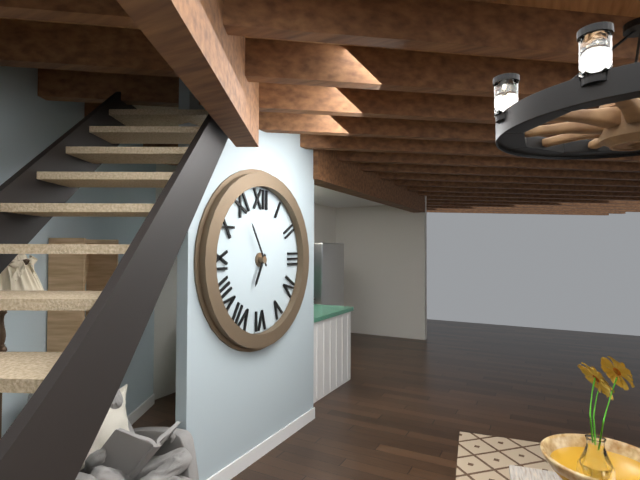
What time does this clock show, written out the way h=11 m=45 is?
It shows h=6 m=55
